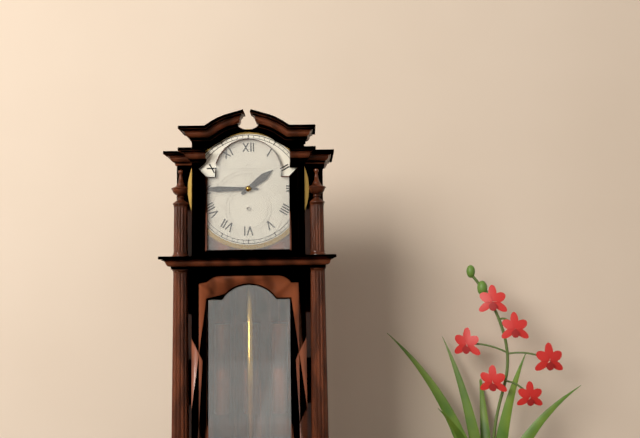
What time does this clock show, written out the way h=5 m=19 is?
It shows h=1 m=45
